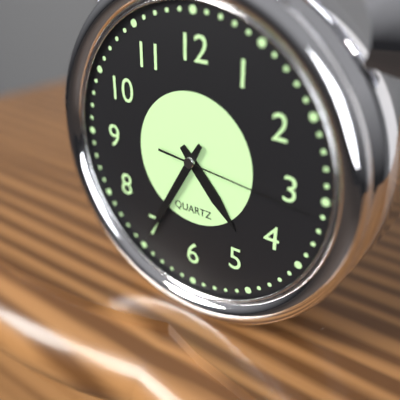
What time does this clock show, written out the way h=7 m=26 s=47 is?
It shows h=4 m=35 s=16
